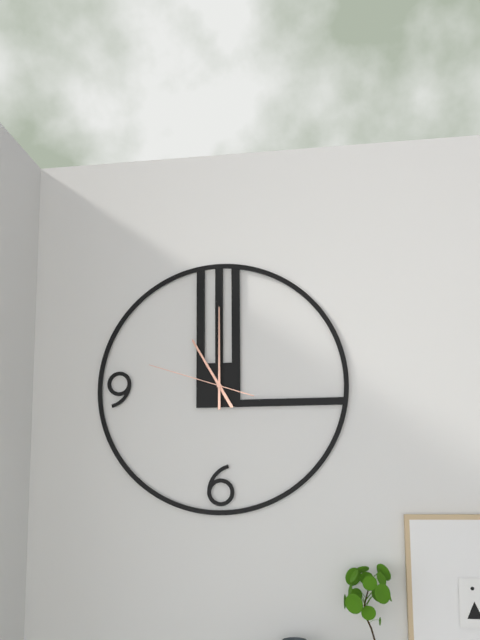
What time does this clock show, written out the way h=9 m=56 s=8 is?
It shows h=11 m=0 s=48
